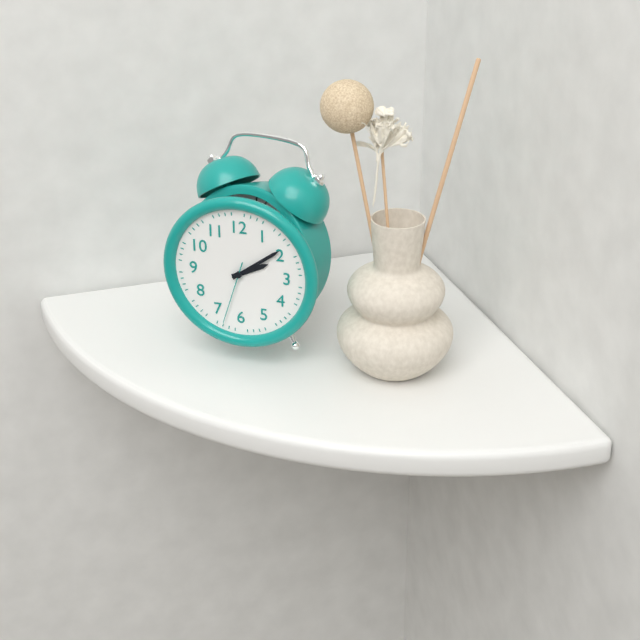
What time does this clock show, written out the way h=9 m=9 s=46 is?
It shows h=2 m=9 s=33
